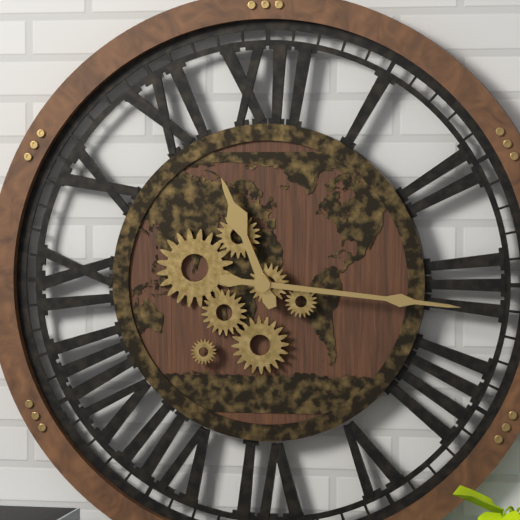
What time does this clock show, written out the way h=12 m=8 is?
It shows h=11 m=16
